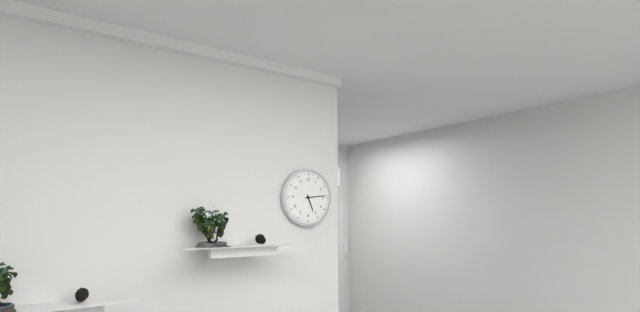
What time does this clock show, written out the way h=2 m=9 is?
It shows h=5 m=14
